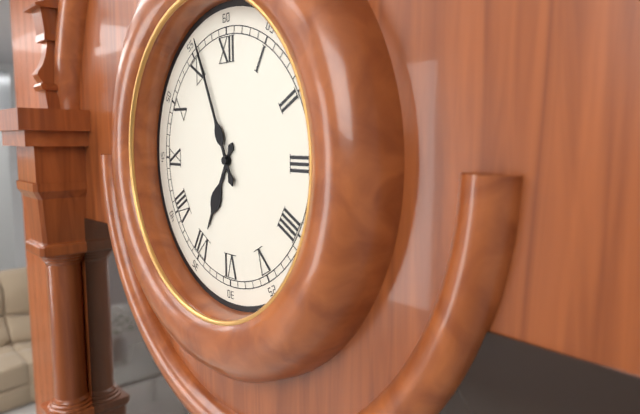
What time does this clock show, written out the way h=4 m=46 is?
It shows h=6 m=56
